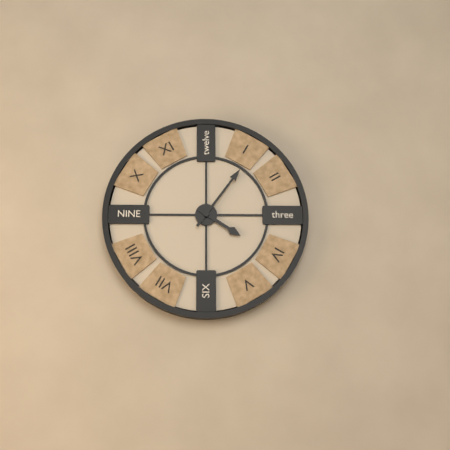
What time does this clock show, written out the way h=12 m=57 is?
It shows h=4 m=6
